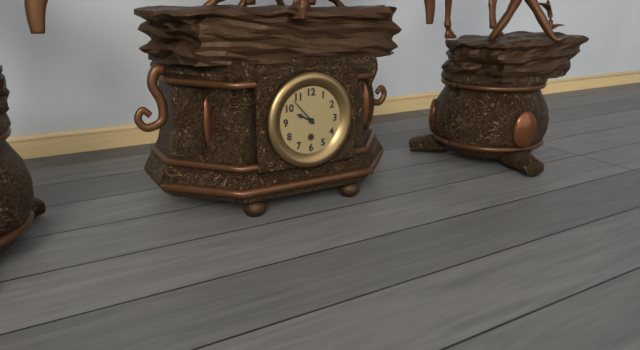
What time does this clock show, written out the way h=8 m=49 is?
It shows h=9 m=53
